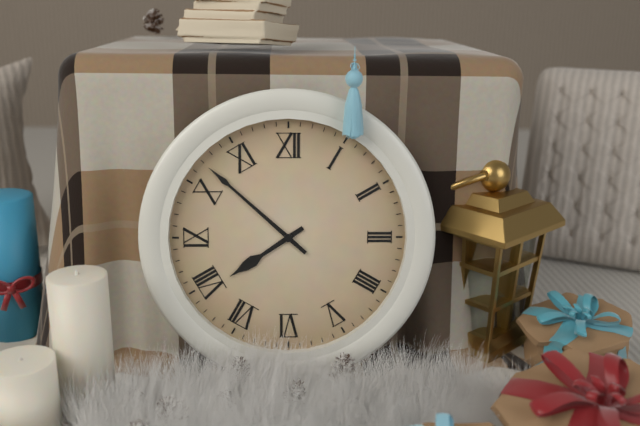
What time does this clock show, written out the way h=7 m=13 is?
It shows h=7 m=52
